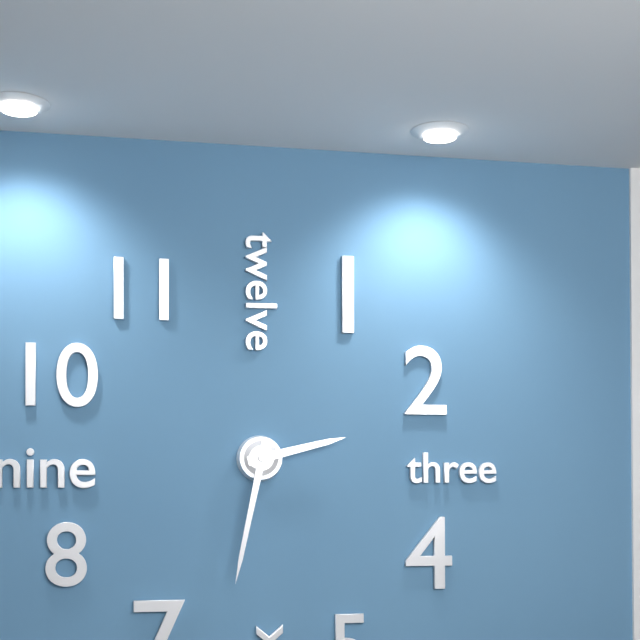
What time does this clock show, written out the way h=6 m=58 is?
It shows h=2 m=32
